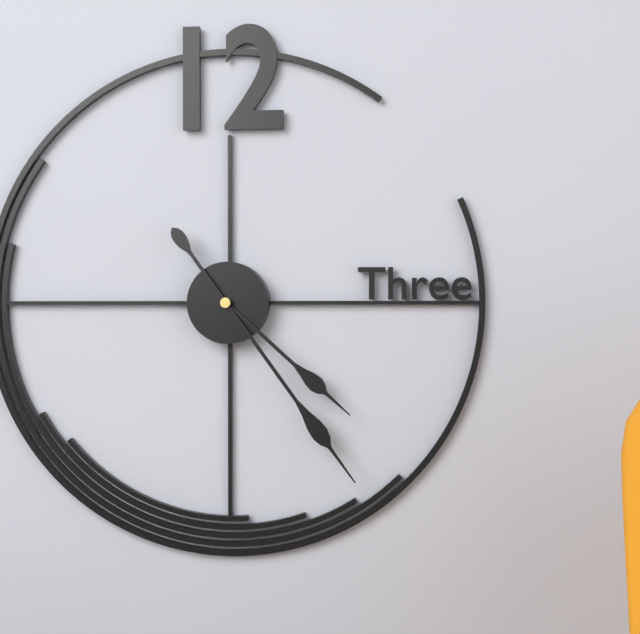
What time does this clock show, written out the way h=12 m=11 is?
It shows h=4 m=24
